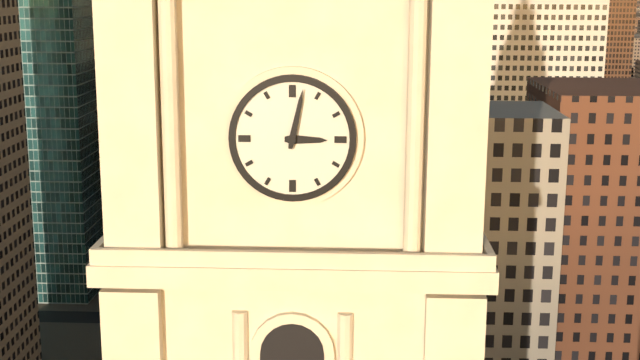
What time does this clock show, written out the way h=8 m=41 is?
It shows h=3 m=2
